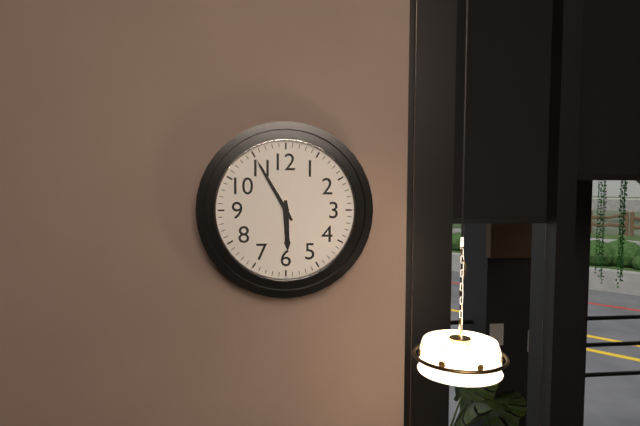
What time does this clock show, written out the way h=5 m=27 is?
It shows h=5 m=55
